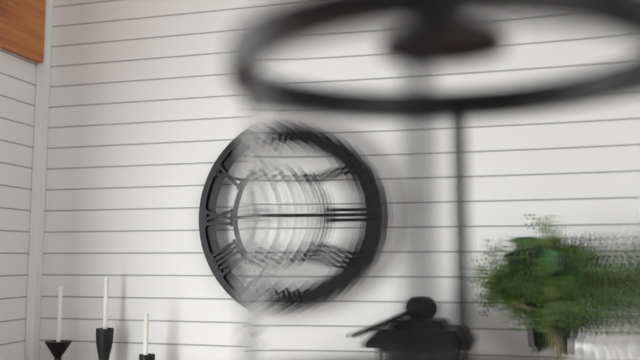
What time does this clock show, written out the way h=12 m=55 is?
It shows h=7 m=27
